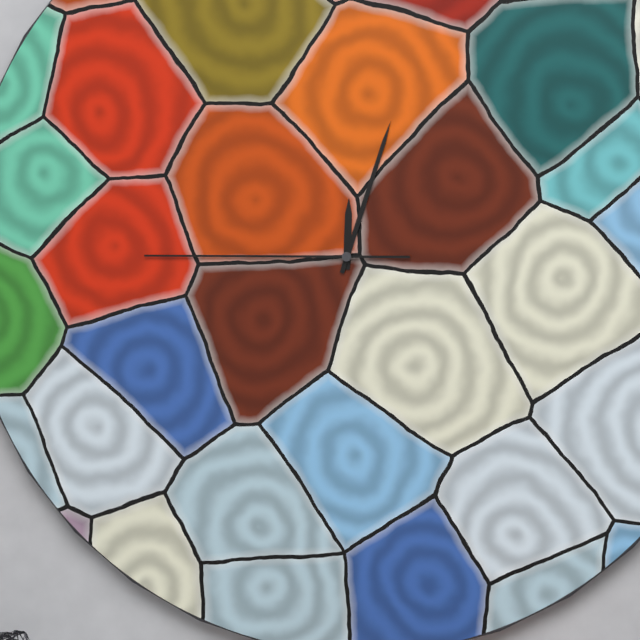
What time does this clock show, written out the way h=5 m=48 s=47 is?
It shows h=12 m=3 s=45
